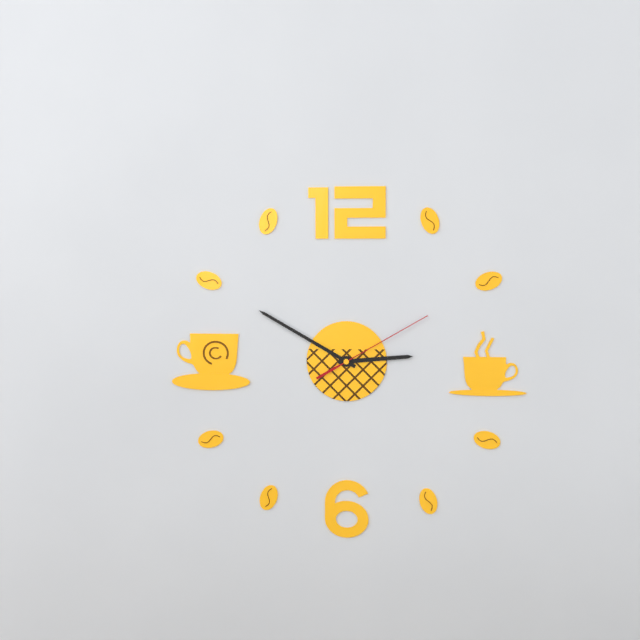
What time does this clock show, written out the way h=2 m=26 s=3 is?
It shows h=2 m=50 s=10
